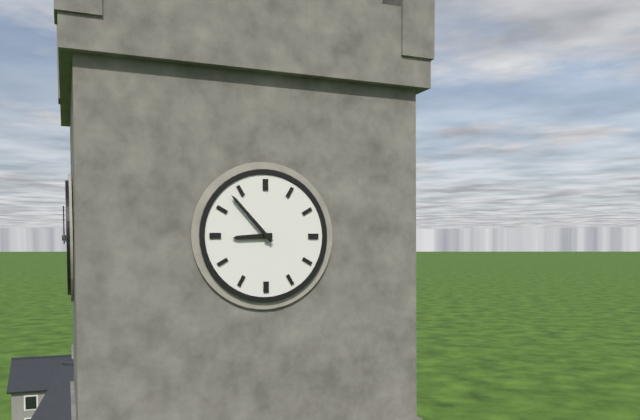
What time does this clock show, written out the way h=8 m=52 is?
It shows h=8 m=53
